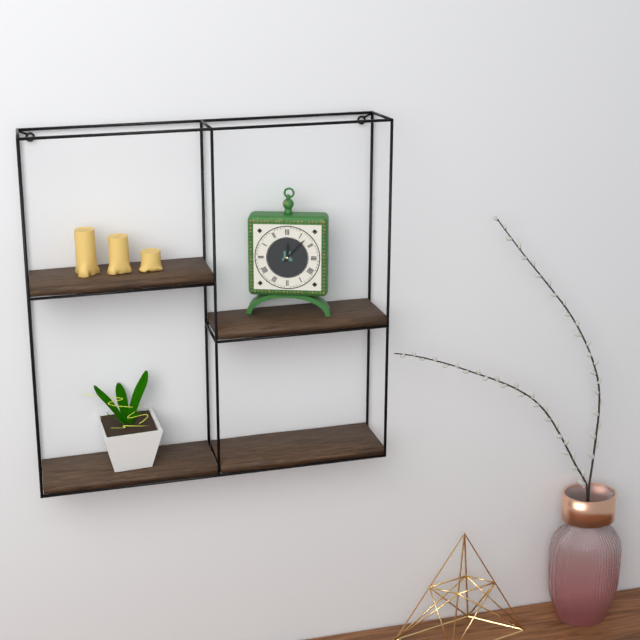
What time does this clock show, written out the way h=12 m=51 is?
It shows h=12 m=7
